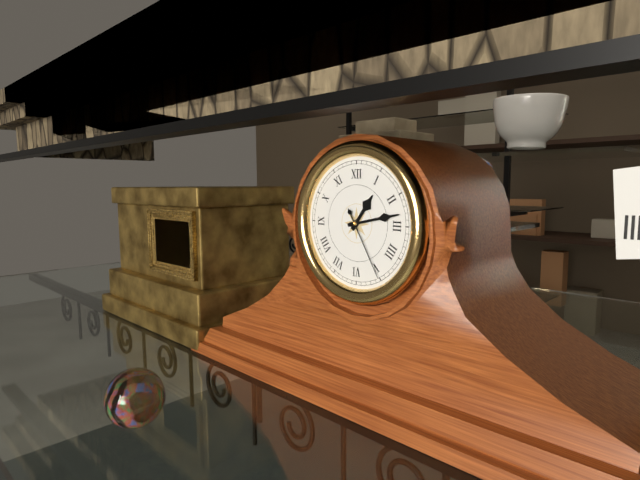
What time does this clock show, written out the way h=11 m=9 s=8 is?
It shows h=1 m=13 s=25
